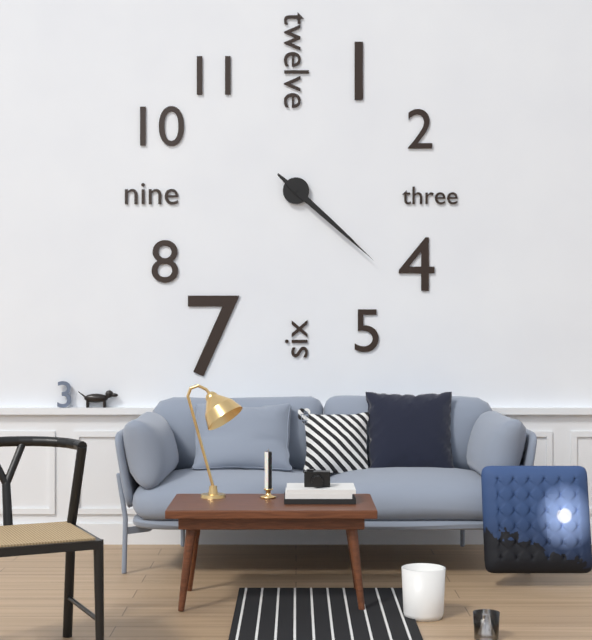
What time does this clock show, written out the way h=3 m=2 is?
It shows h=4 m=22
